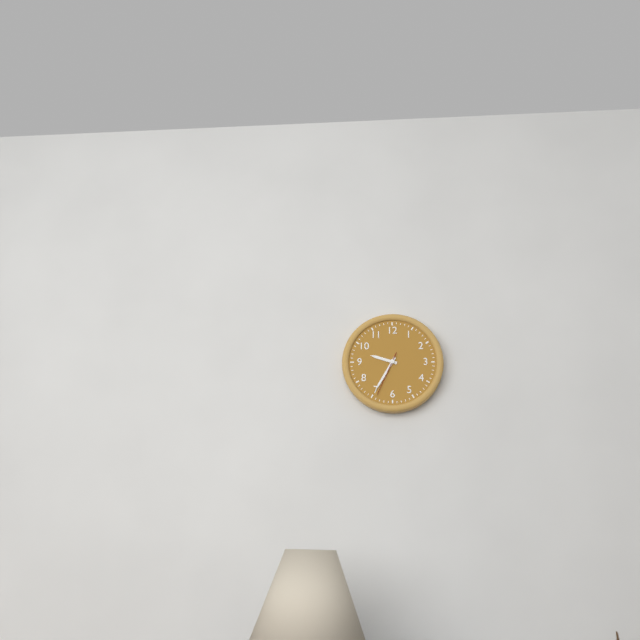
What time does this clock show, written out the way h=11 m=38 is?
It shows h=9 m=35
